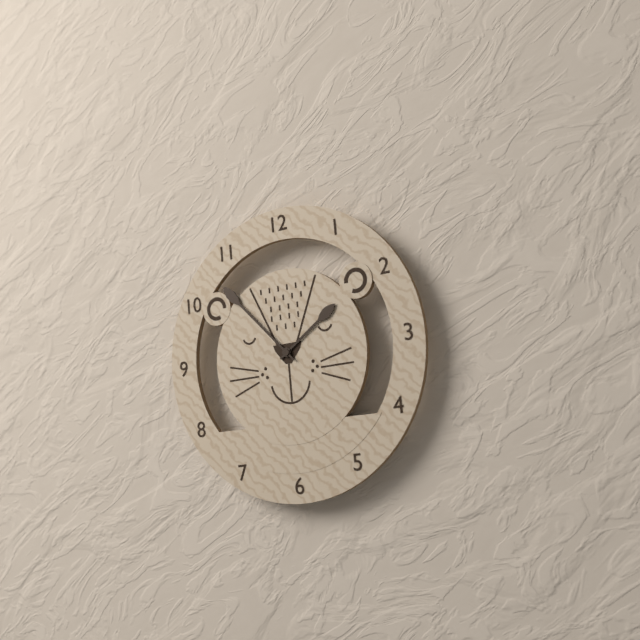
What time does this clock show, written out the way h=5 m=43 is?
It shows h=1 m=53
